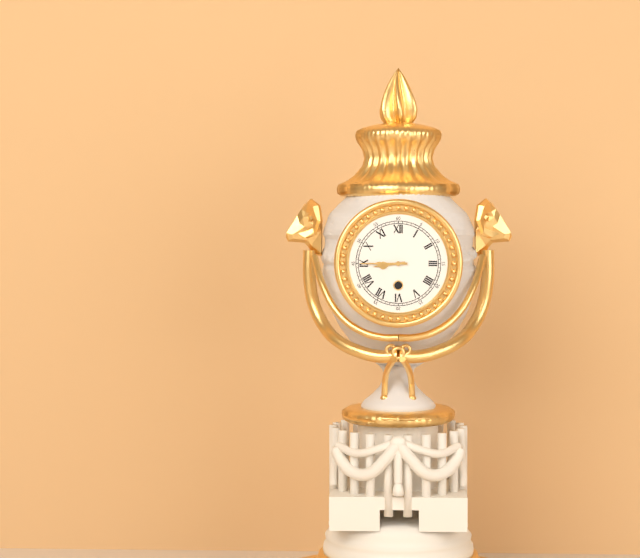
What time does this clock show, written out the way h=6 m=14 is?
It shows h=8 m=45
